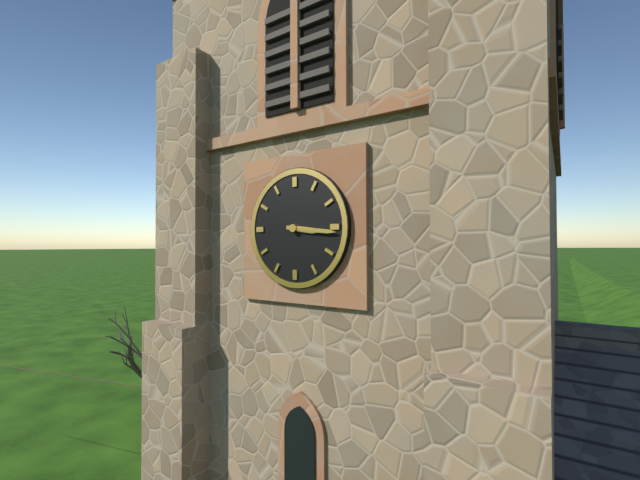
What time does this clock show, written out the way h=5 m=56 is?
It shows h=3 m=16
